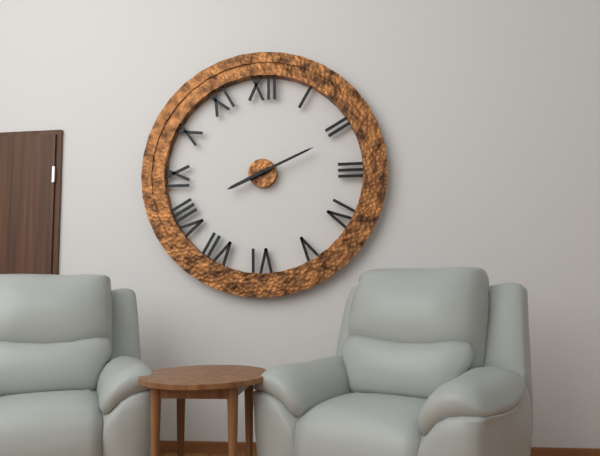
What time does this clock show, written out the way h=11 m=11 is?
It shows h=8 m=11
